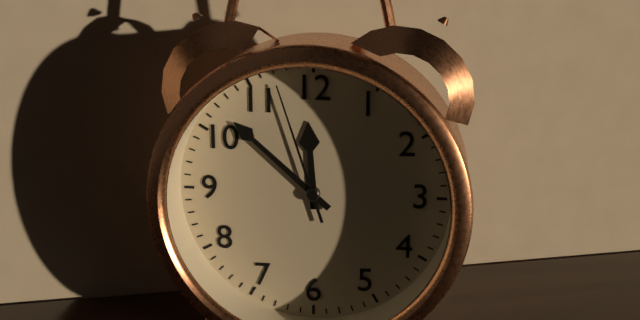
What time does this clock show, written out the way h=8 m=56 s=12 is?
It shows h=11 m=52 s=57
